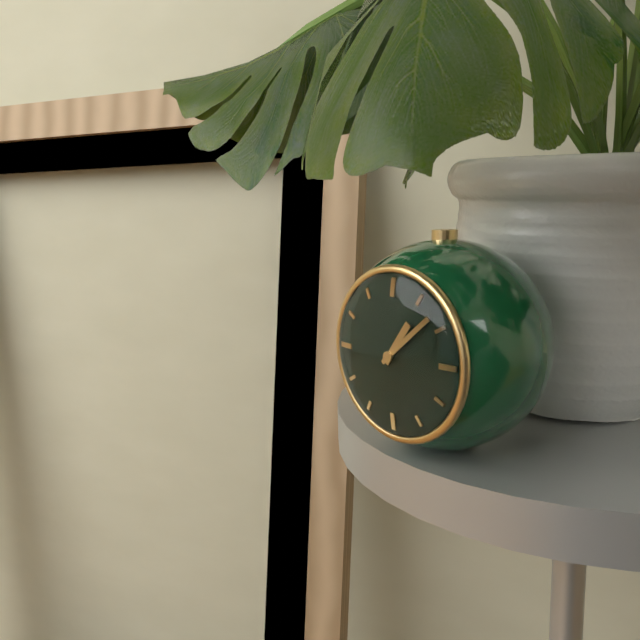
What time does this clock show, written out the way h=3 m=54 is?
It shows h=1 m=8
